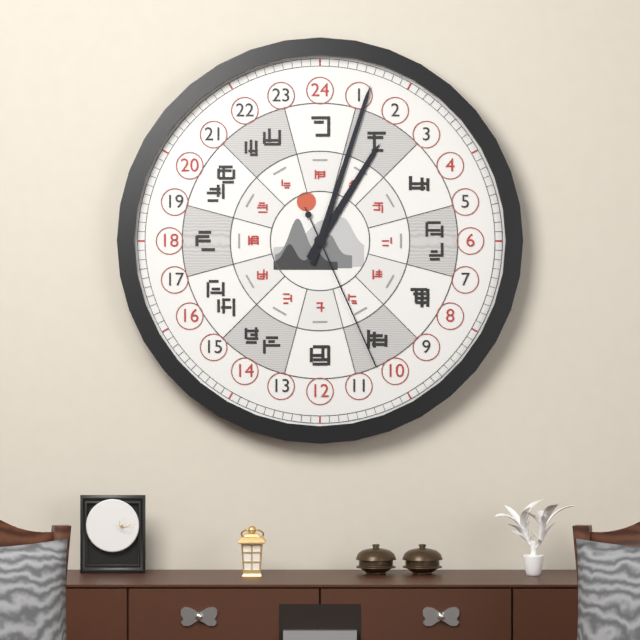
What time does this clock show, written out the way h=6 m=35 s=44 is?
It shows h=1 m=3 s=26
